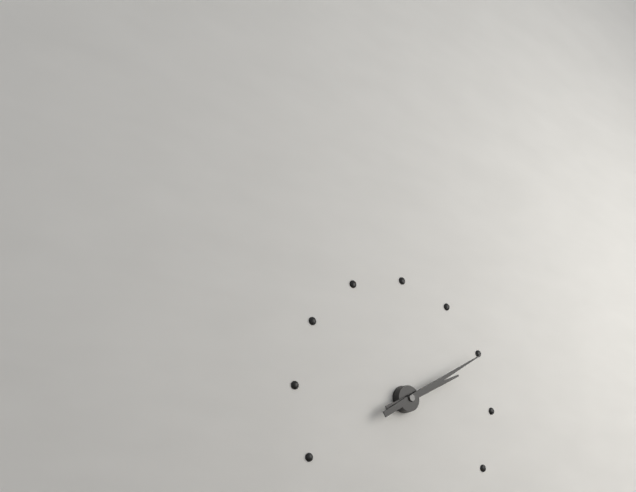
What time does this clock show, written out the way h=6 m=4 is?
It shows h=2 m=10
